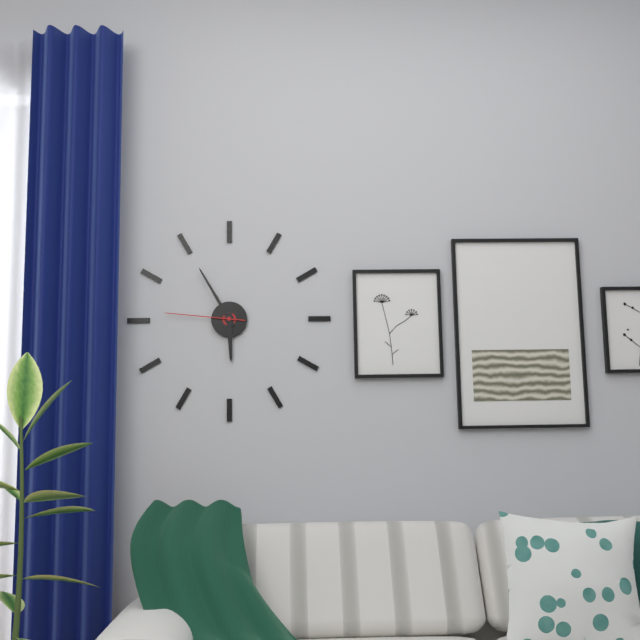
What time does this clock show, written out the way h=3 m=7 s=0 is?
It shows h=5 m=55 s=46
